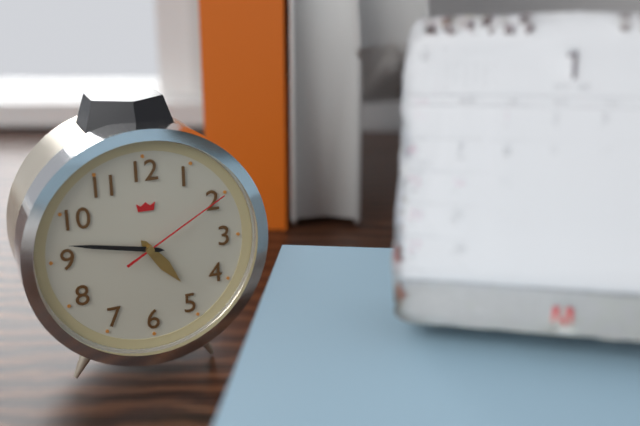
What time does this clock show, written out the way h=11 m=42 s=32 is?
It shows h=4 m=47 s=10
